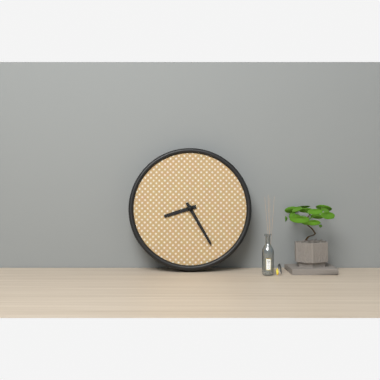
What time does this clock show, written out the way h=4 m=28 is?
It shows h=8 m=25
